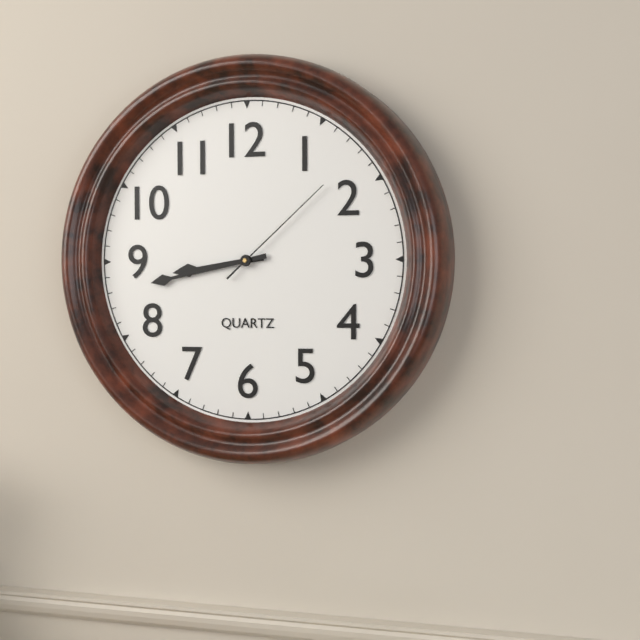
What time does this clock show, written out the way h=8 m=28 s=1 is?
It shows h=8 m=43 s=8
